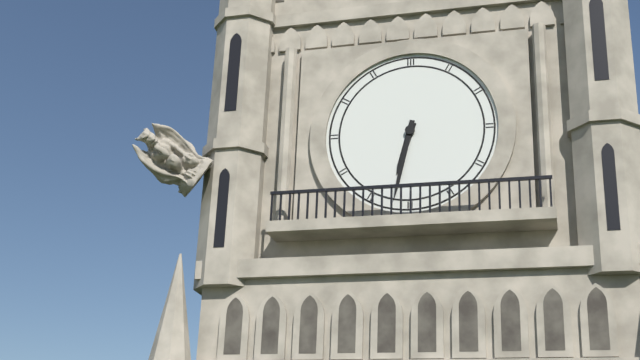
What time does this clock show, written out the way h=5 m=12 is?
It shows h=6 m=32
